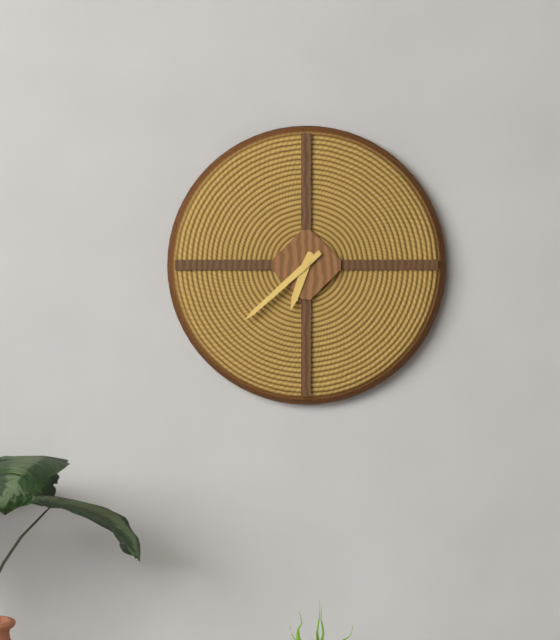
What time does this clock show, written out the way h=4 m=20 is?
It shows h=6 m=38
